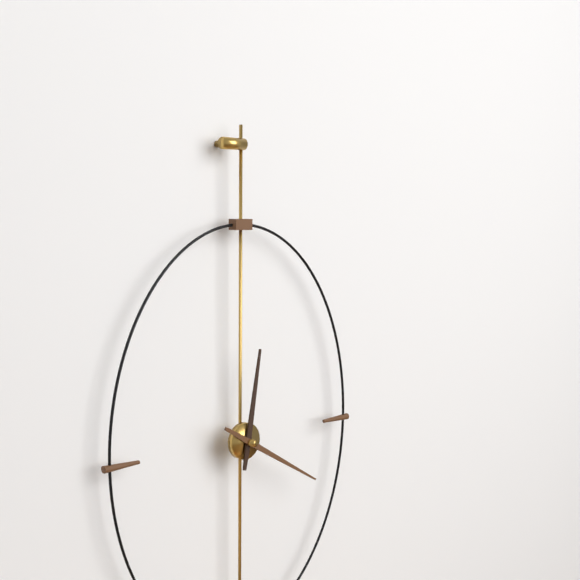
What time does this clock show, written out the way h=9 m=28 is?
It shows h=12 m=20
